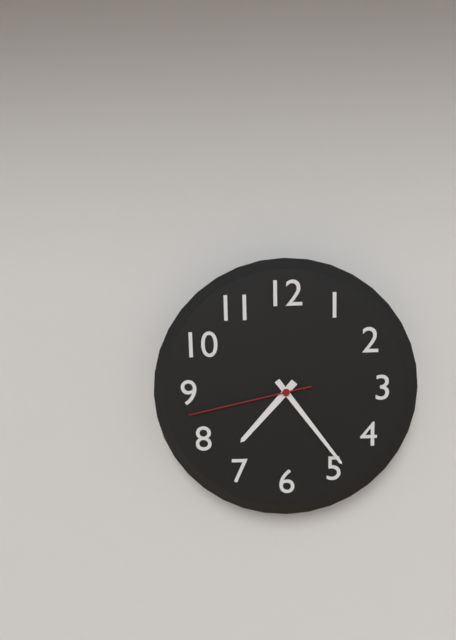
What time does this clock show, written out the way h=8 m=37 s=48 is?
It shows h=7 m=24 s=43
